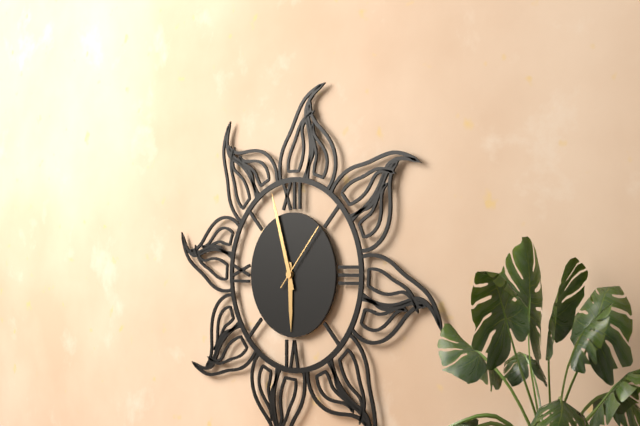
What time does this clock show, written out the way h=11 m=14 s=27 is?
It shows h=5 m=57 s=7
